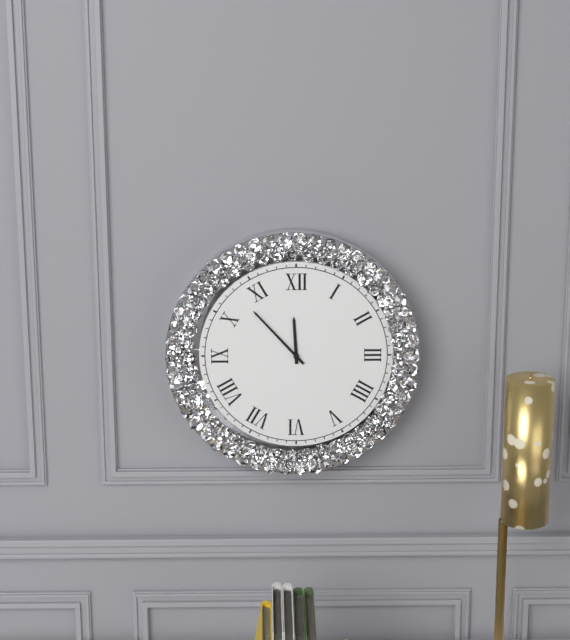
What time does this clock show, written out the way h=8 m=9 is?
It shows h=11 m=53
